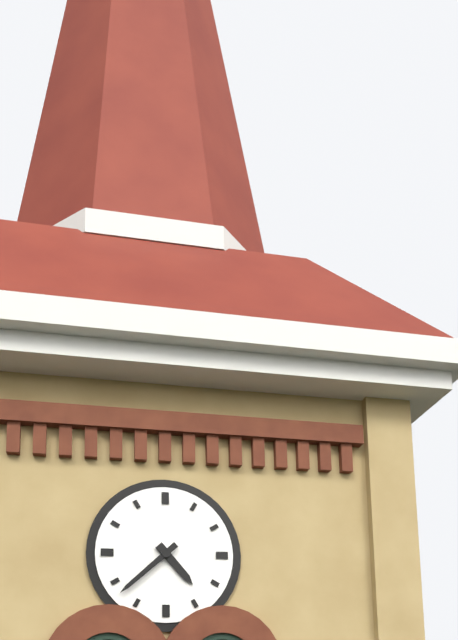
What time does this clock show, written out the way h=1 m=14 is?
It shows h=4 m=38
